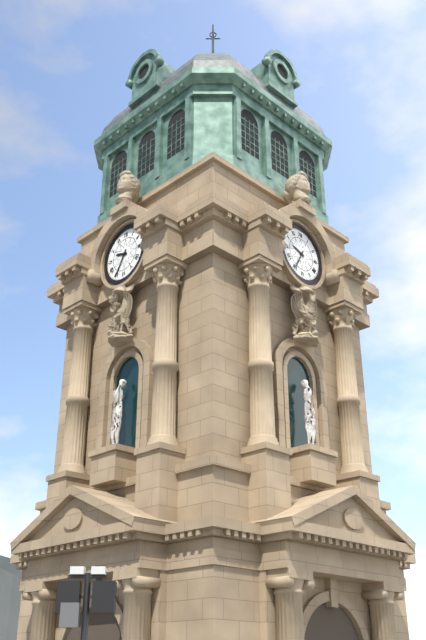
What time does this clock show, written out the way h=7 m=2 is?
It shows h=9 m=35
